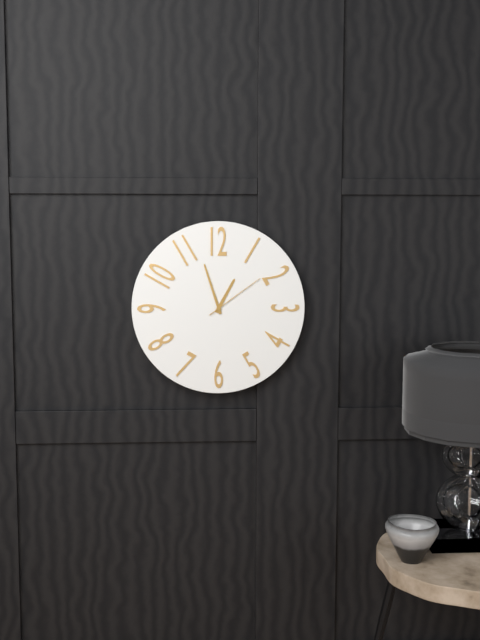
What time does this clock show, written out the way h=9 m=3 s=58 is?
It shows h=12 m=57 s=9
